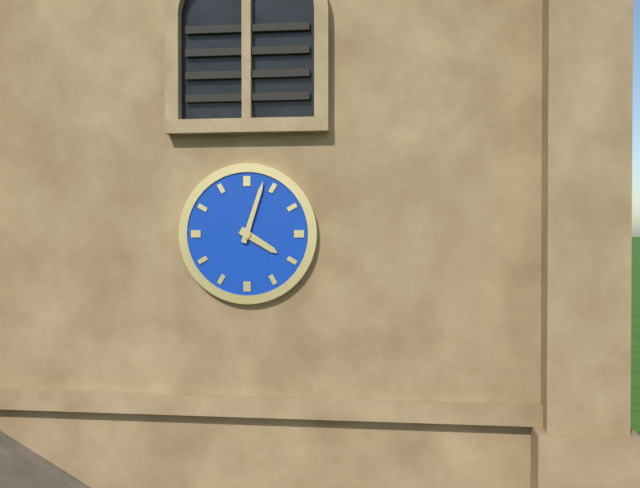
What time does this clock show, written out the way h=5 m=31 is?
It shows h=4 m=3
